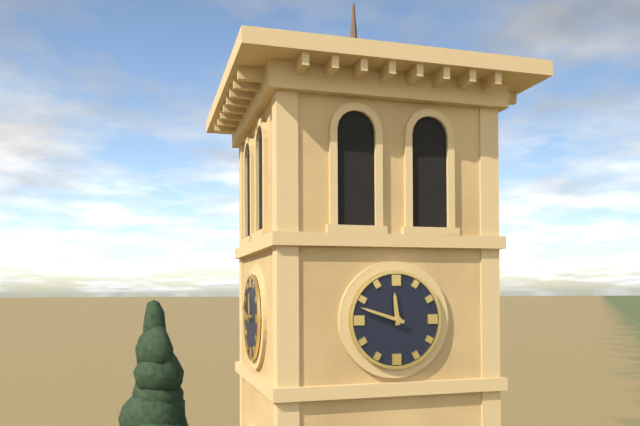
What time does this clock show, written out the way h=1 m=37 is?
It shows h=11 m=48
